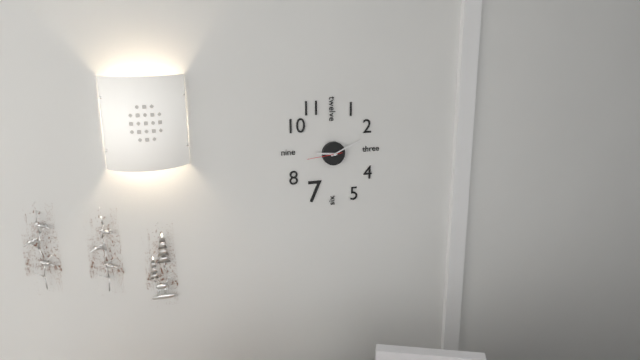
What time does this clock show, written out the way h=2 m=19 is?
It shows h=9 m=11
